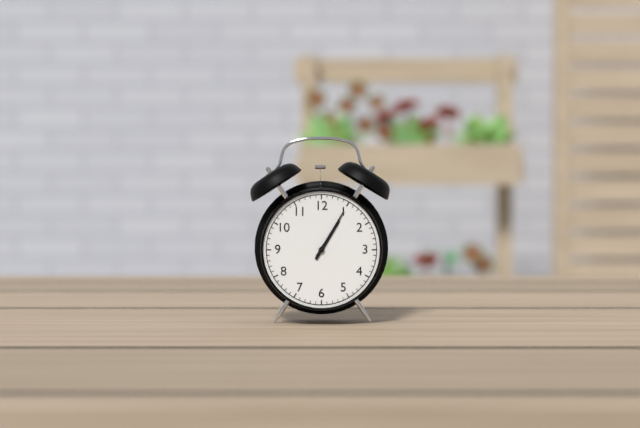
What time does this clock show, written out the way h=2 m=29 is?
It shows h=1 m=5
